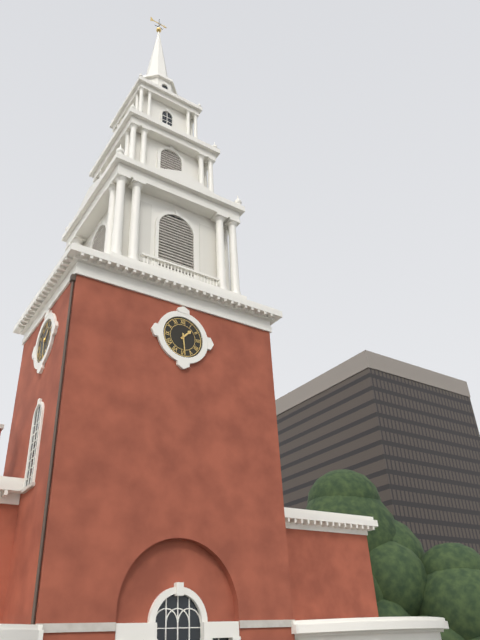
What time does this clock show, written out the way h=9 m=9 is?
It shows h=1 m=29
